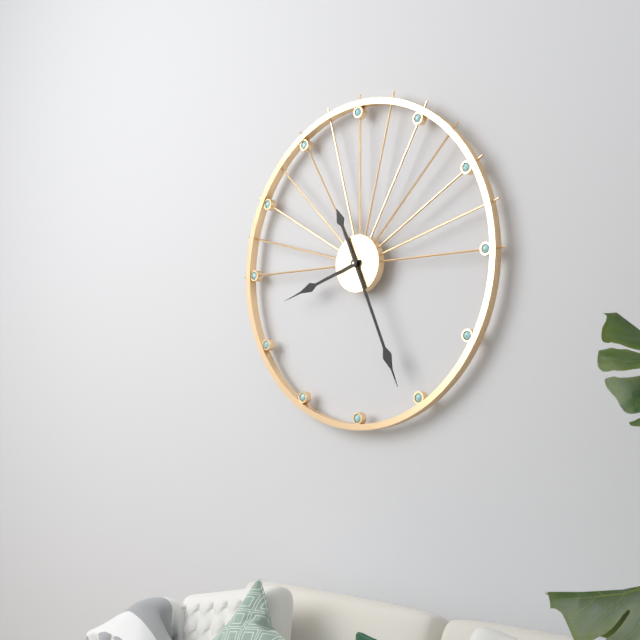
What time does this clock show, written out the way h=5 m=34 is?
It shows h=8 m=26
